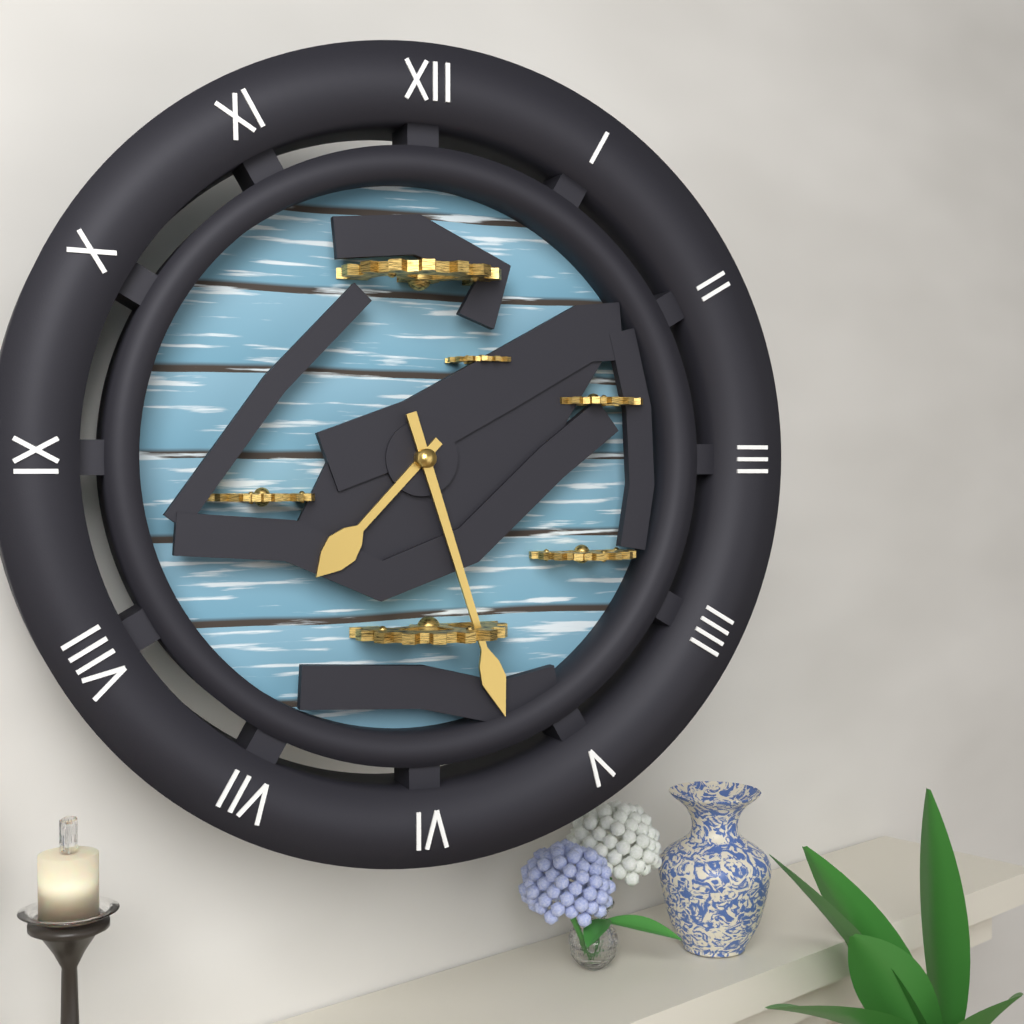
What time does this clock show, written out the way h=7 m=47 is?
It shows h=7 m=27
